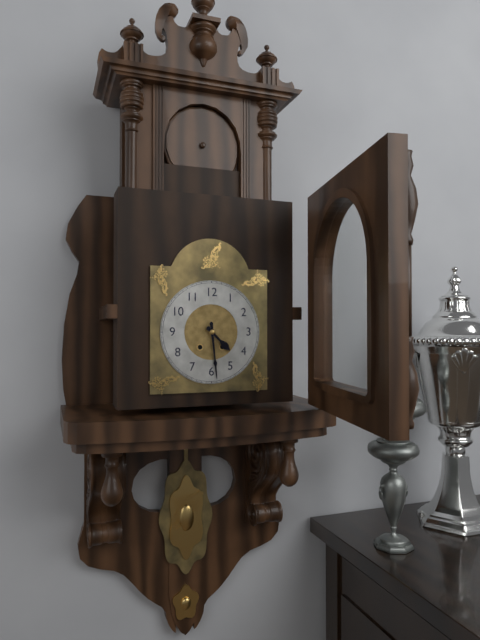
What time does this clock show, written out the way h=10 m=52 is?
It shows h=4 m=29
